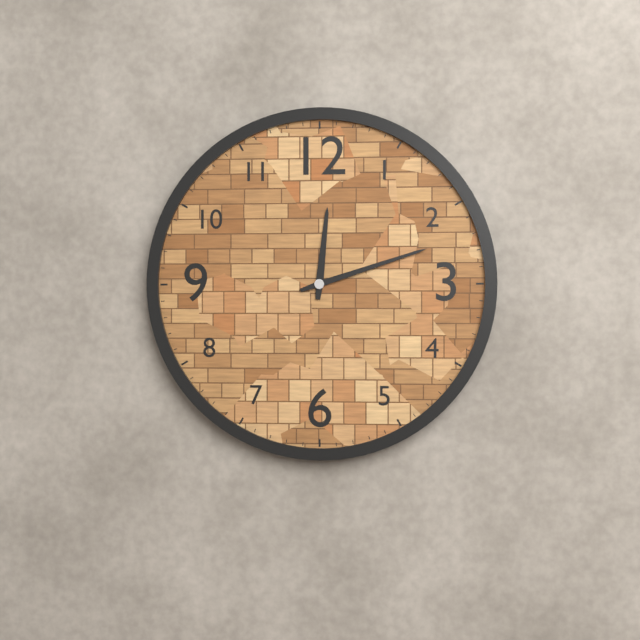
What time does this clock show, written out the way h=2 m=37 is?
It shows h=12 m=12
